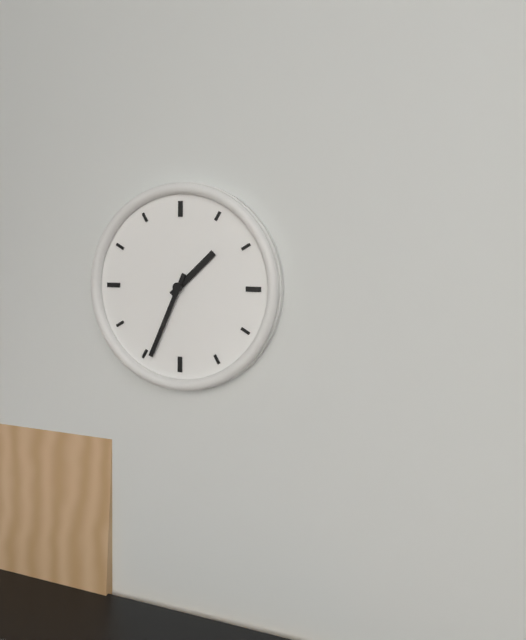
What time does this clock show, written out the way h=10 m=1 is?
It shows h=1 m=34
